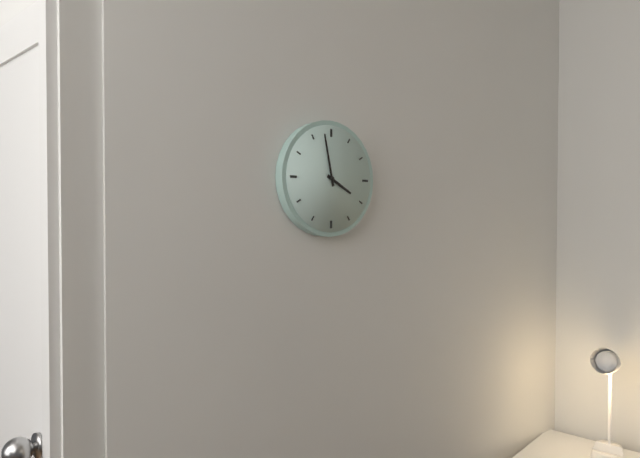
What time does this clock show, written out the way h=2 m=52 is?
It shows h=3 m=58
